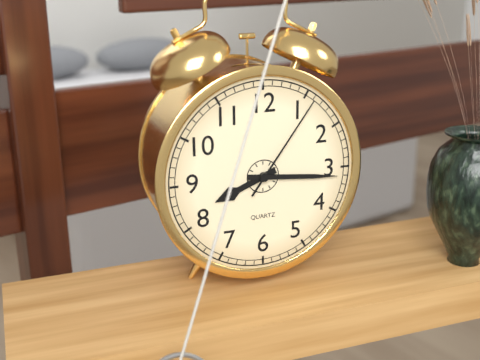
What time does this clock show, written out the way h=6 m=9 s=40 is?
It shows h=8 m=16 s=6
